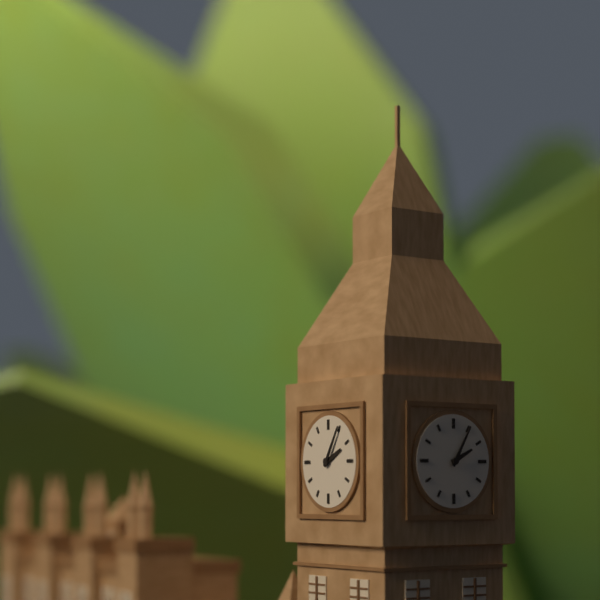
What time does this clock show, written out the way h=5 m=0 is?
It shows h=2 m=5
